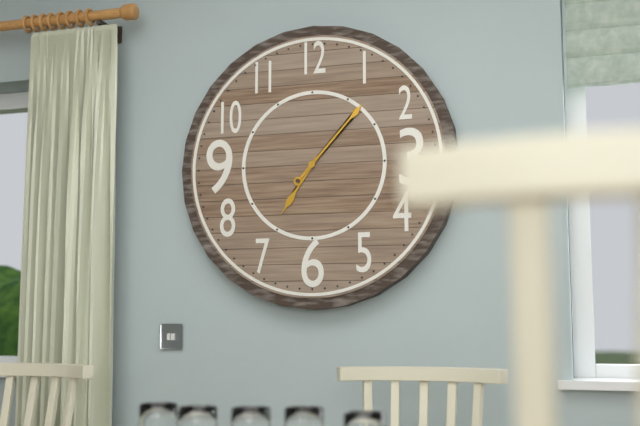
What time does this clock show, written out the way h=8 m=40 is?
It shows h=7 m=7
